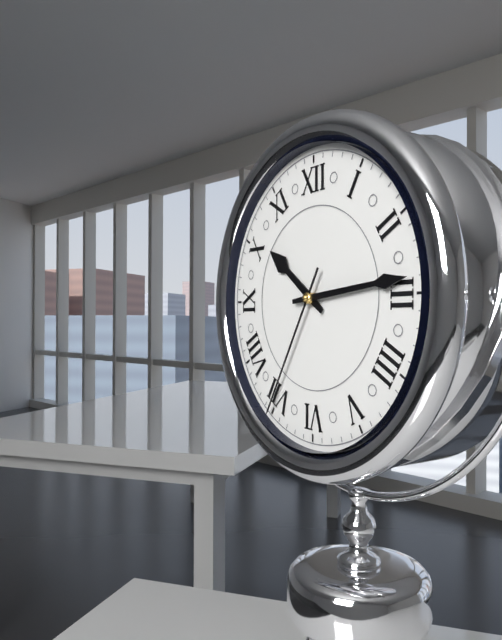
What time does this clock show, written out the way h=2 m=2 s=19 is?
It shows h=10 m=14 s=35
